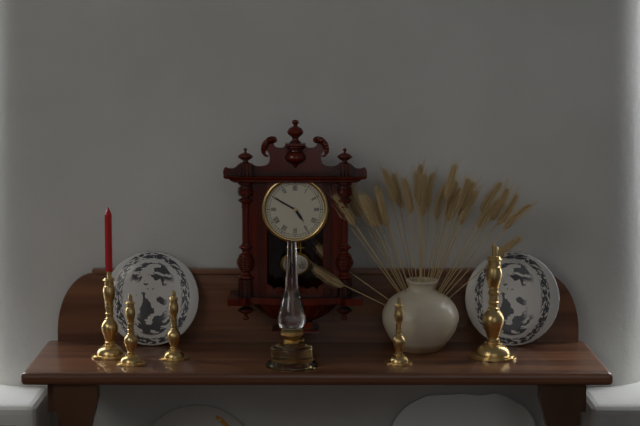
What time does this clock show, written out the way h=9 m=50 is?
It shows h=4 m=50
